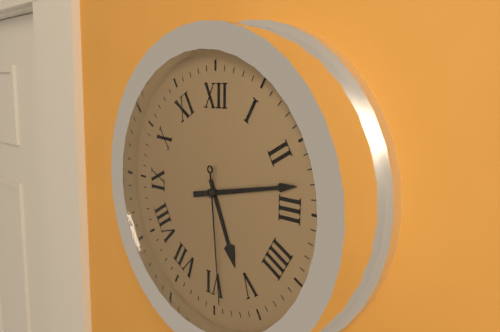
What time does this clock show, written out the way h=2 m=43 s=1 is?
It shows h=5 m=13 s=29
